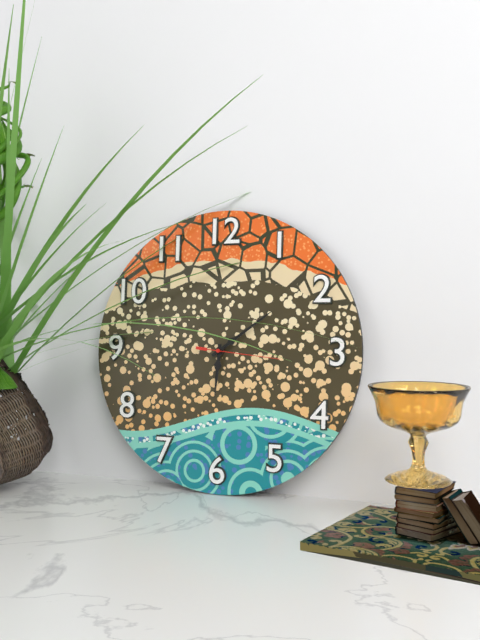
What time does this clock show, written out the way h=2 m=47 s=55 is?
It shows h=6 m=9 s=16
